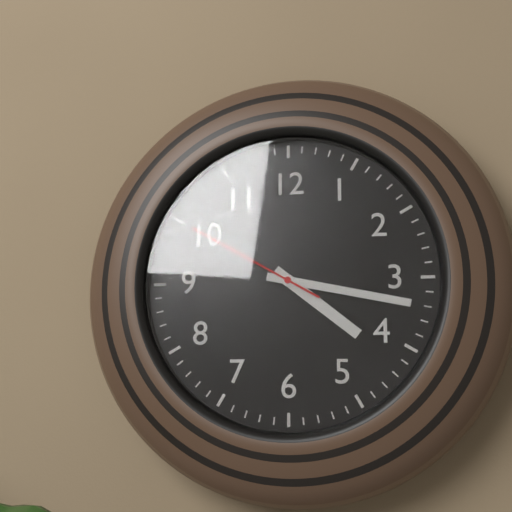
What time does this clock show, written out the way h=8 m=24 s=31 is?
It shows h=4 m=17 s=50
